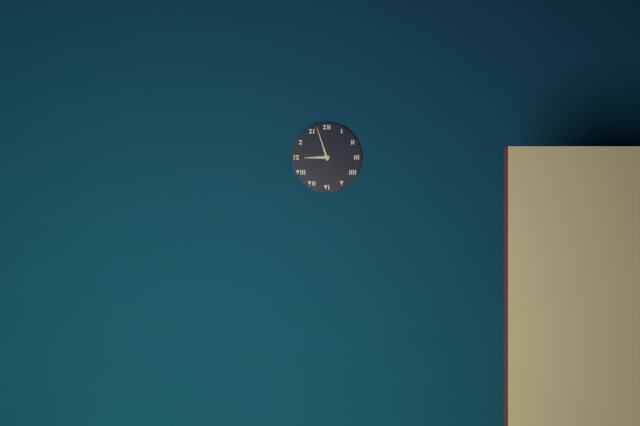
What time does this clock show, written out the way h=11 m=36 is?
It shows h=8 m=57
